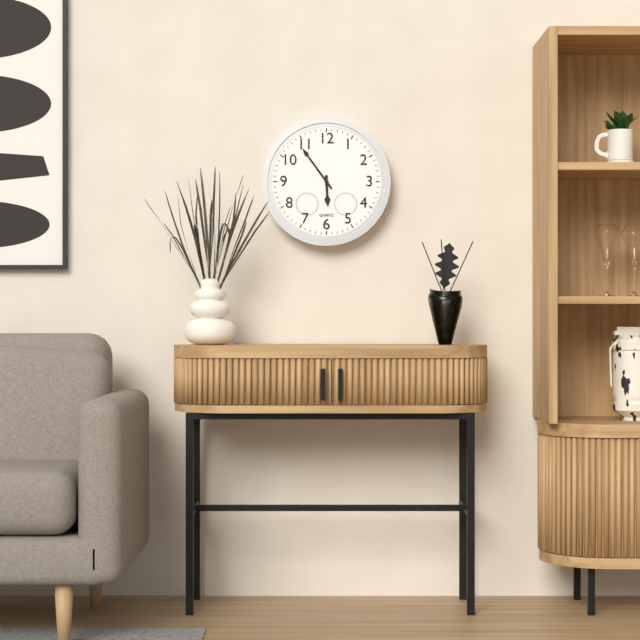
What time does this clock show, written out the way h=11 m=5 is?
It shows h=5 m=54
